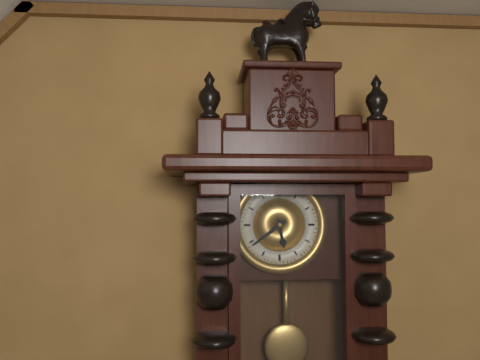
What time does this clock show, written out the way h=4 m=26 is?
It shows h=5 m=39
